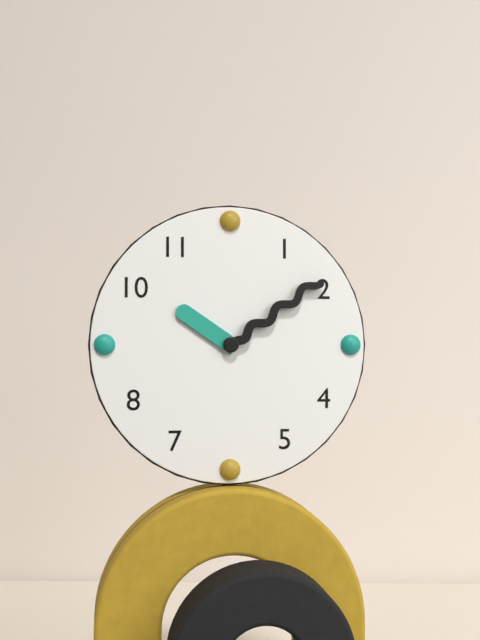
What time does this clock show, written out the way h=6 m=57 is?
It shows h=10 m=9
